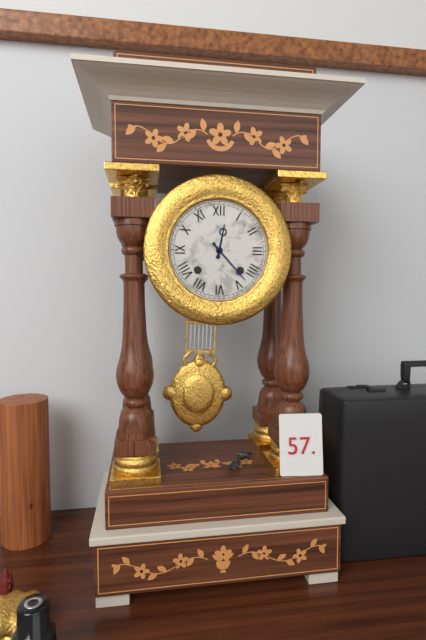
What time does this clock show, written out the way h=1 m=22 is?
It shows h=12 m=23
